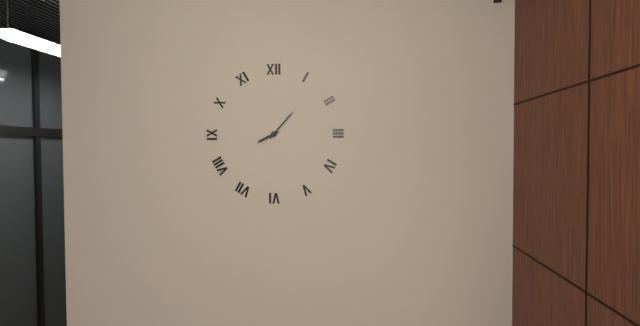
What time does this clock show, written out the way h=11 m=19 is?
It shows h=8 m=7
